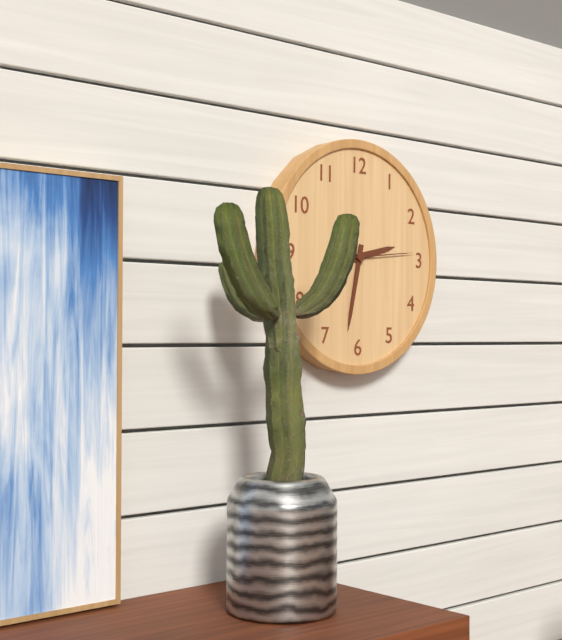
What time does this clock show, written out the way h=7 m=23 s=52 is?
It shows h=2 m=32 s=14
